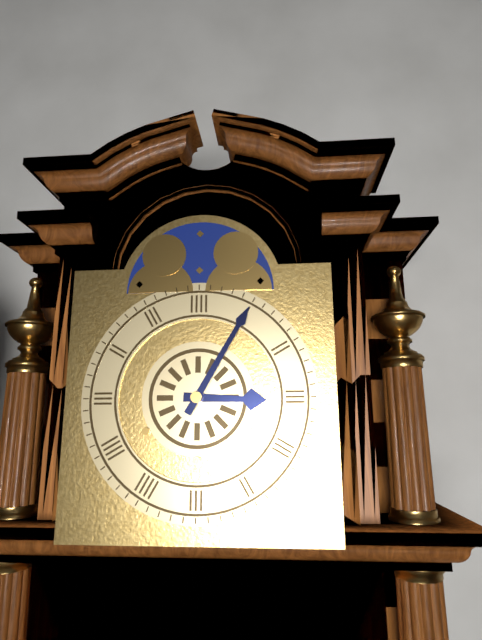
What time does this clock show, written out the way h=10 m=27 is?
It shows h=3 m=5
